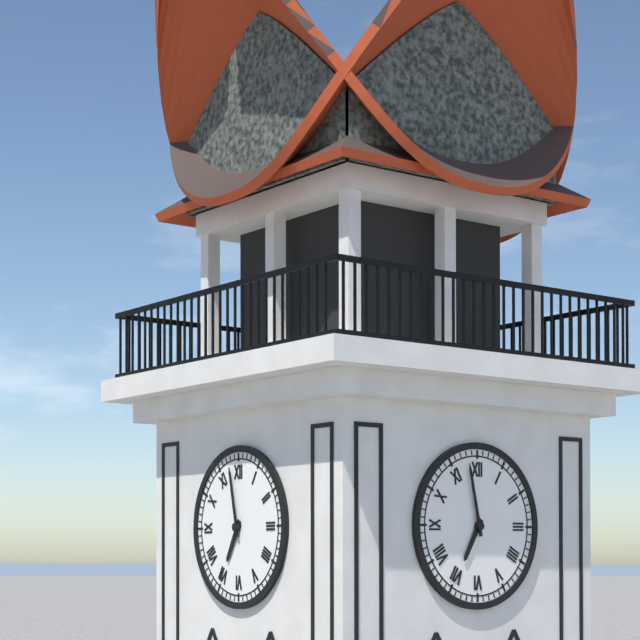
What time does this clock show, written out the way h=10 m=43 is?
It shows h=6 m=58
